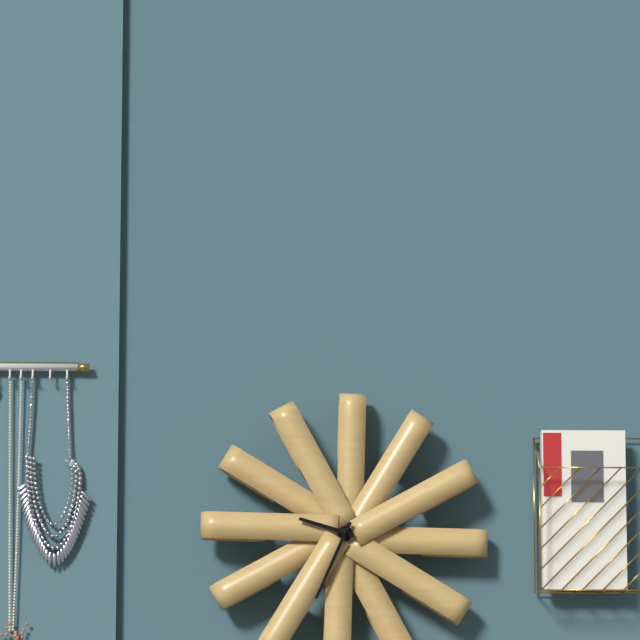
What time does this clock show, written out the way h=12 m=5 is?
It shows h=9 m=34
